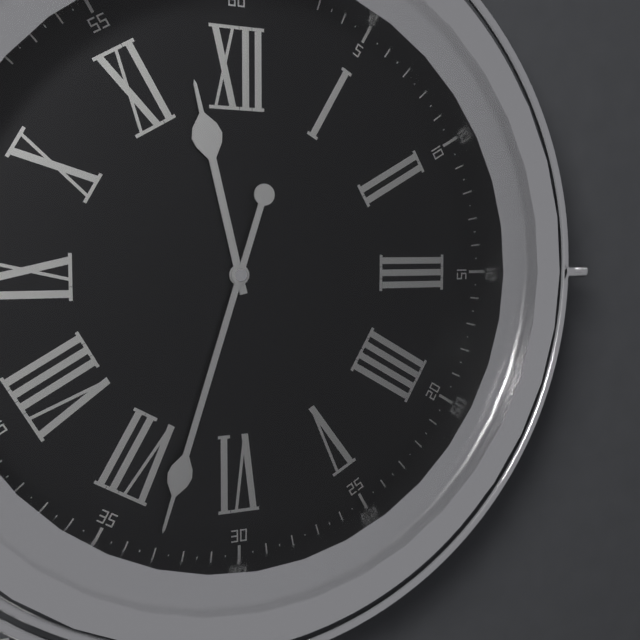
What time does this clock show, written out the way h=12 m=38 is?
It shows h=11 m=33
